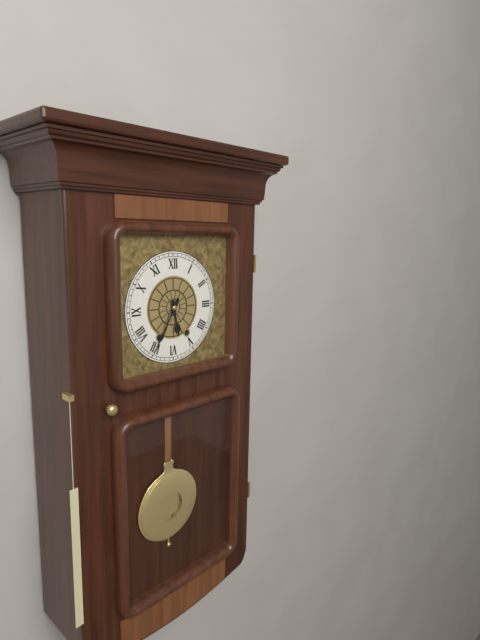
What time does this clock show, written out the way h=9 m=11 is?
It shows h=5 m=35
